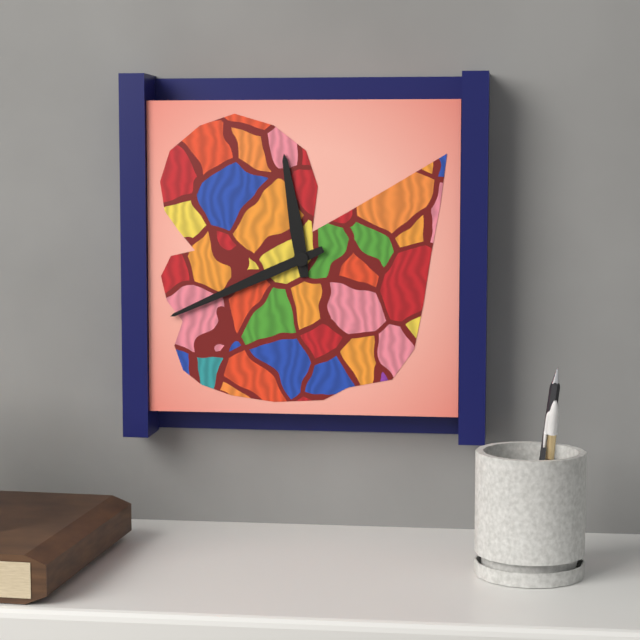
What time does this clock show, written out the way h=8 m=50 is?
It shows h=11 m=41
